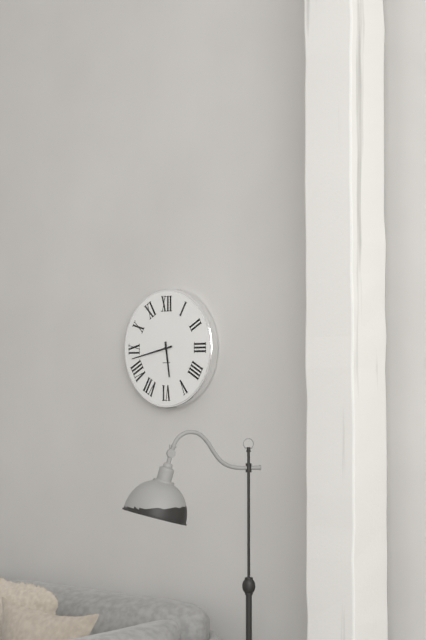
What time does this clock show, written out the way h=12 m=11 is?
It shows h=5 m=43
